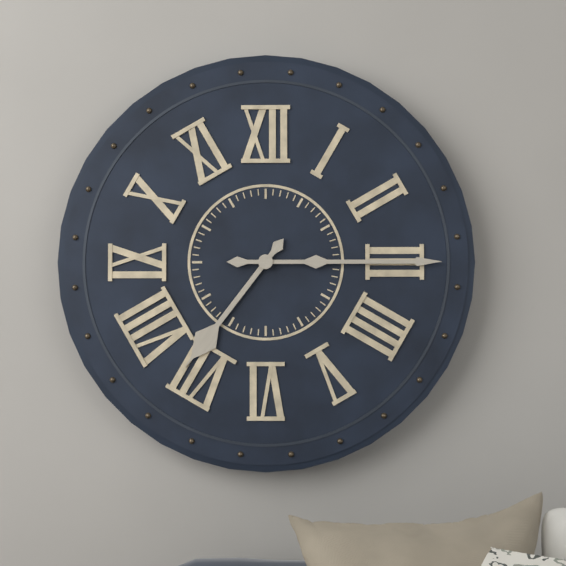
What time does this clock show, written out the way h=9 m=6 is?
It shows h=7 m=15
